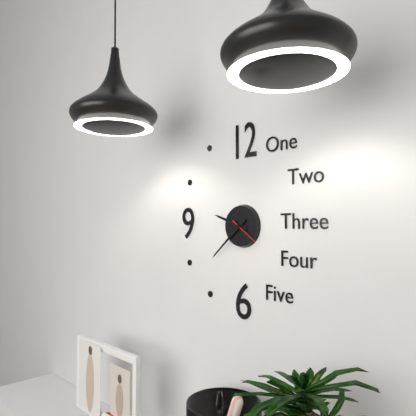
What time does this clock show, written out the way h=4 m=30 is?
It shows h=9 m=38
